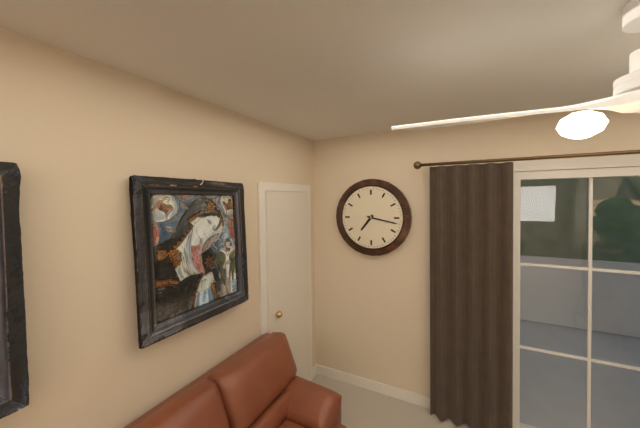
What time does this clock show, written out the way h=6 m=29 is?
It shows h=7 m=17
